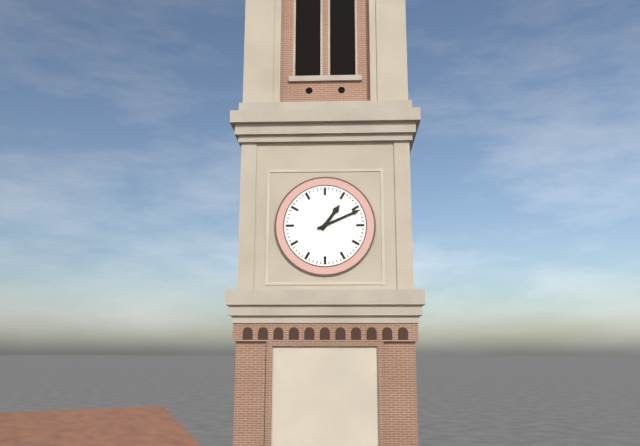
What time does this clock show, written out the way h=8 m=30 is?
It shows h=1 m=11
